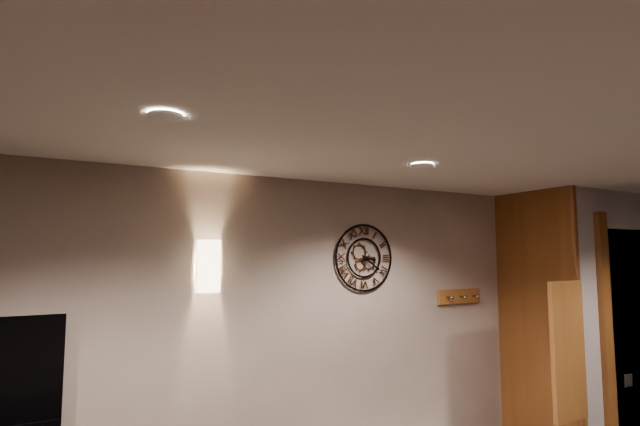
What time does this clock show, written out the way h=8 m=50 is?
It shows h=3 m=21
